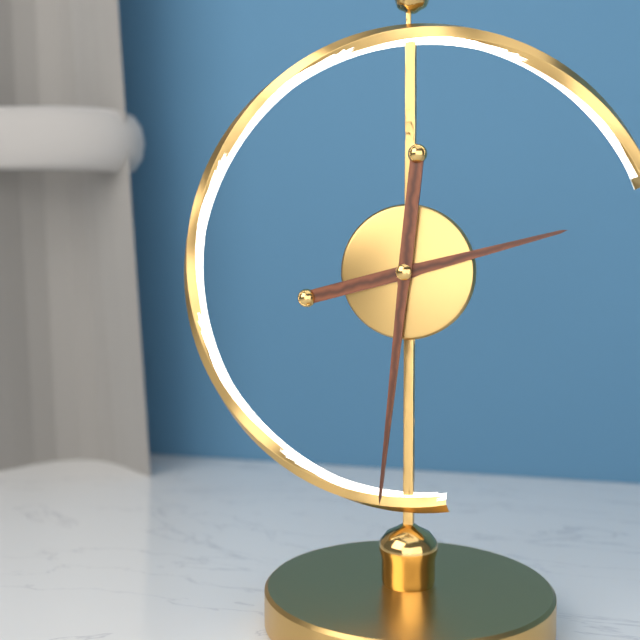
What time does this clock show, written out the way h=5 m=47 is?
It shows h=2 m=31
